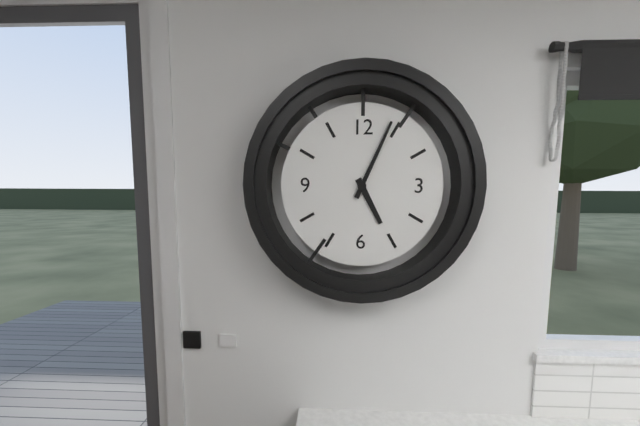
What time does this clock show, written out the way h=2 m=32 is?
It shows h=5 m=4
